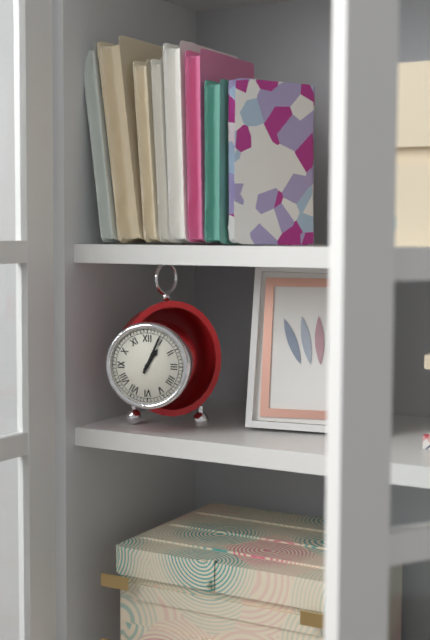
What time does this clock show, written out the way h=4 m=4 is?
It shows h=1 m=4
